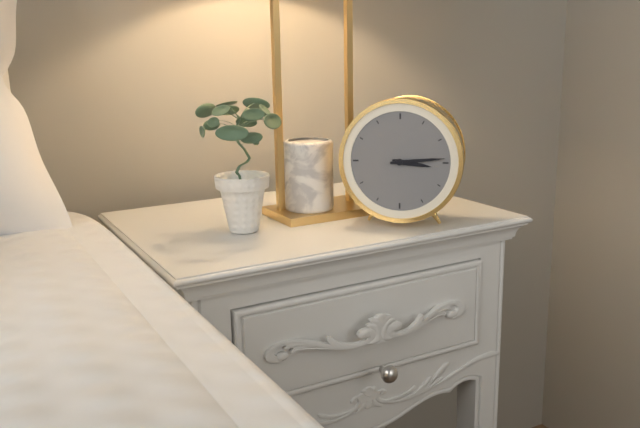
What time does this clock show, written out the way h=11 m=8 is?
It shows h=3 m=14
